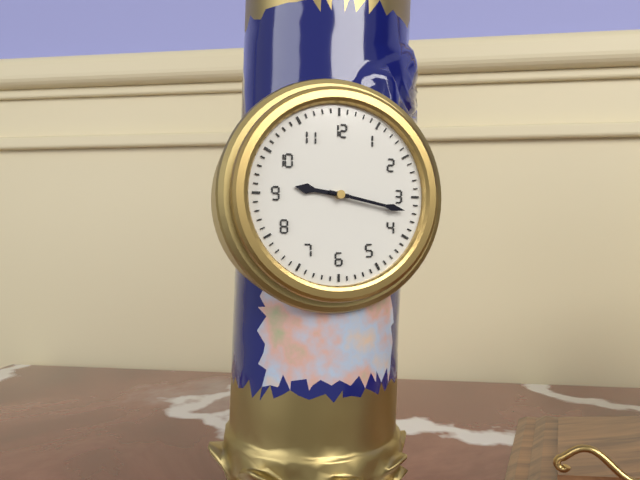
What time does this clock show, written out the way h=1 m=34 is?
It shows h=9 m=17
